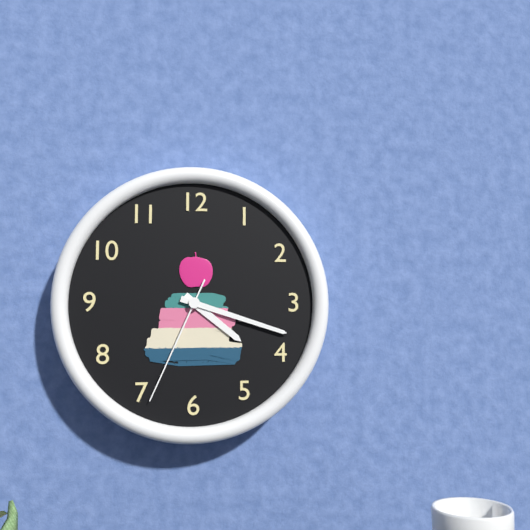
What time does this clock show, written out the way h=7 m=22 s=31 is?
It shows h=4 m=18 s=34
